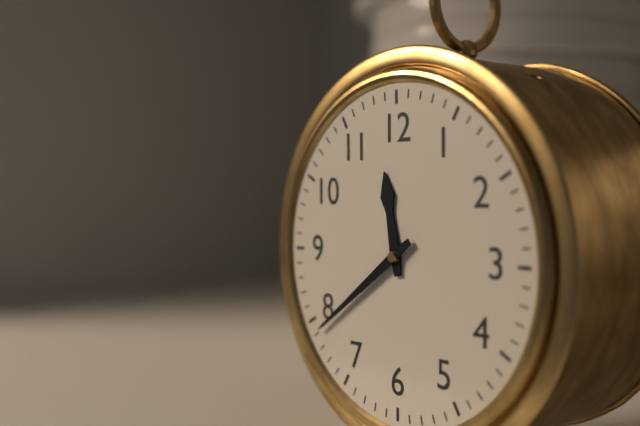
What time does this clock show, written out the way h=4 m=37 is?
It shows h=11 m=39
